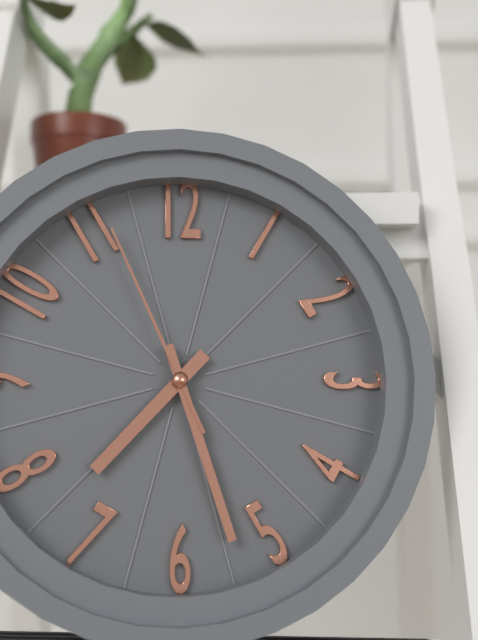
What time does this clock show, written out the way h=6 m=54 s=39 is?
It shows h=7 m=27 s=56
